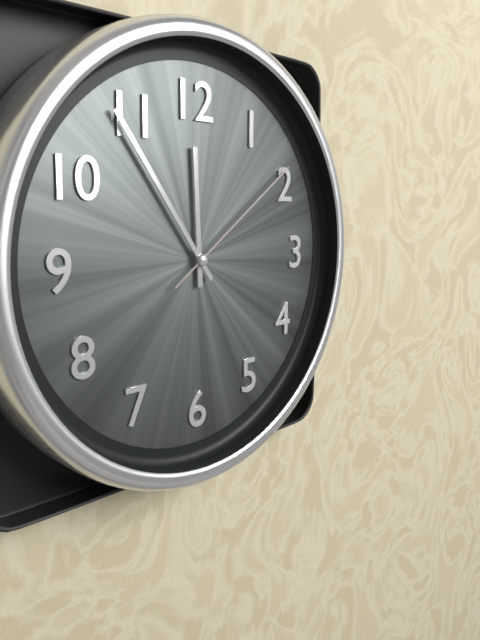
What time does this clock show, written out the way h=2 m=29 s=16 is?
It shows h=11 m=54 s=9
